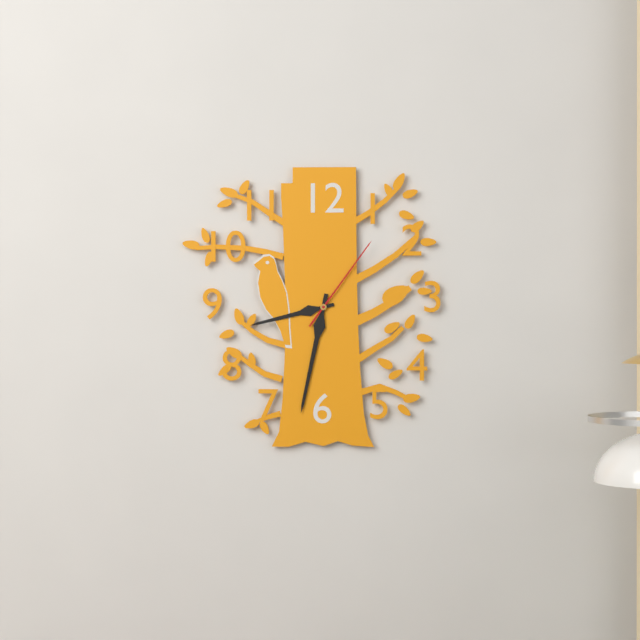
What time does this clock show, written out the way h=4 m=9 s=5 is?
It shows h=8 m=32 s=6
